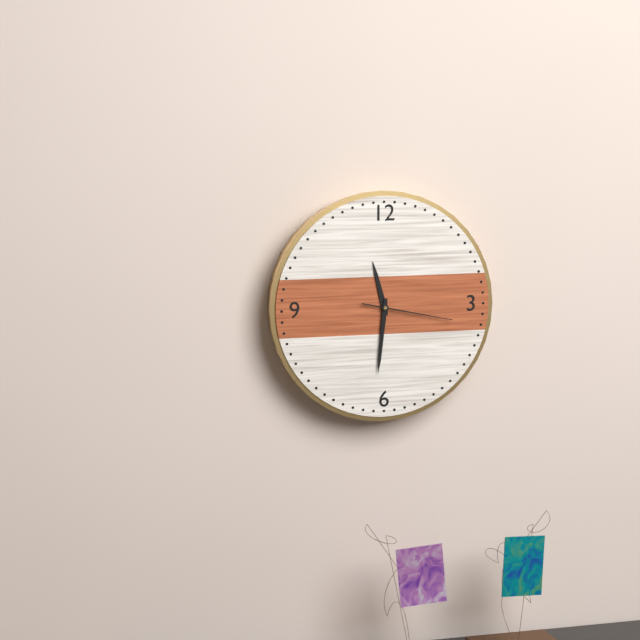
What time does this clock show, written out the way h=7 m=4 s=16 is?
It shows h=11 m=31 s=17
